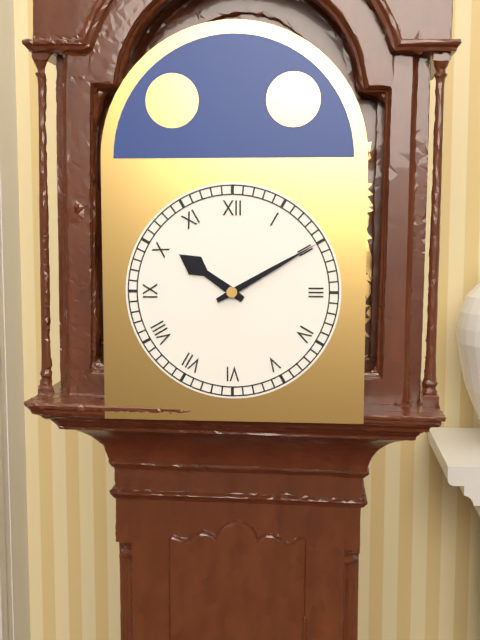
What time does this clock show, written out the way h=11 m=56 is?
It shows h=10 m=10
